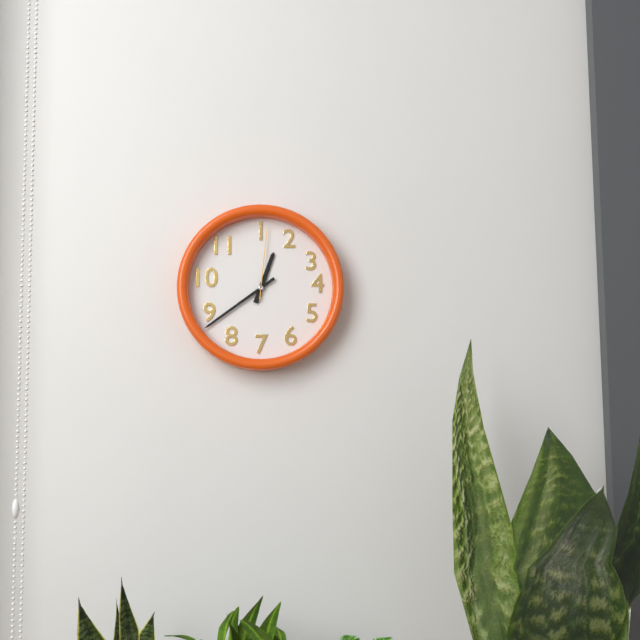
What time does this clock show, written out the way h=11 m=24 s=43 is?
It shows h=12 m=39 s=1
